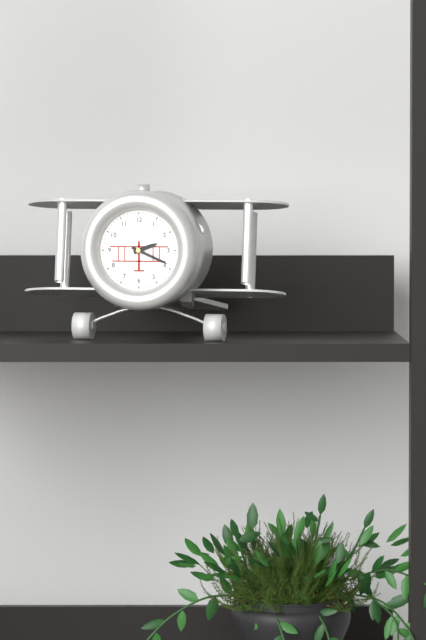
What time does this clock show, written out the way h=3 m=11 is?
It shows h=2 m=19
